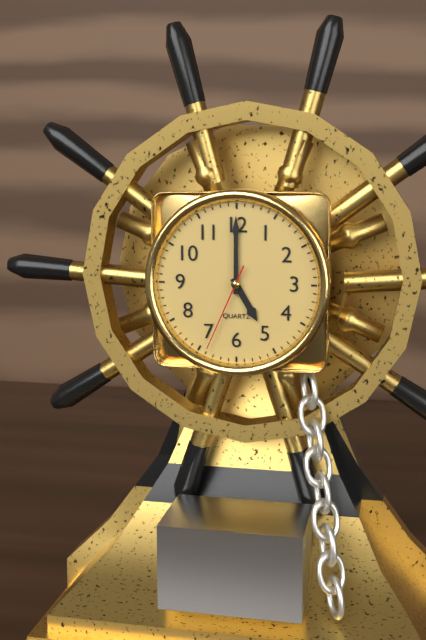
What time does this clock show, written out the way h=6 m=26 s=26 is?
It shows h=5 m=0 s=34
